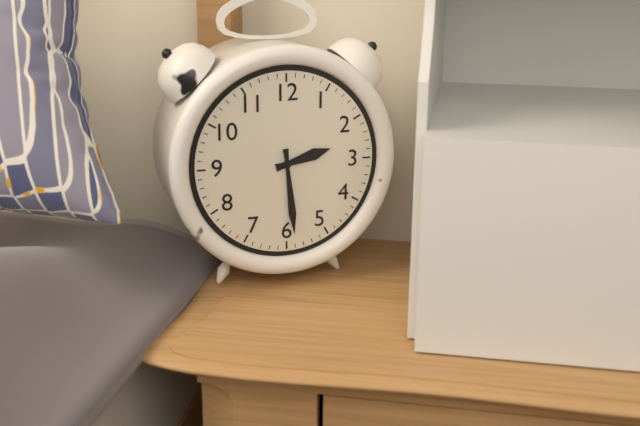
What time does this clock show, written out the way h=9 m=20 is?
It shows h=2 m=29
